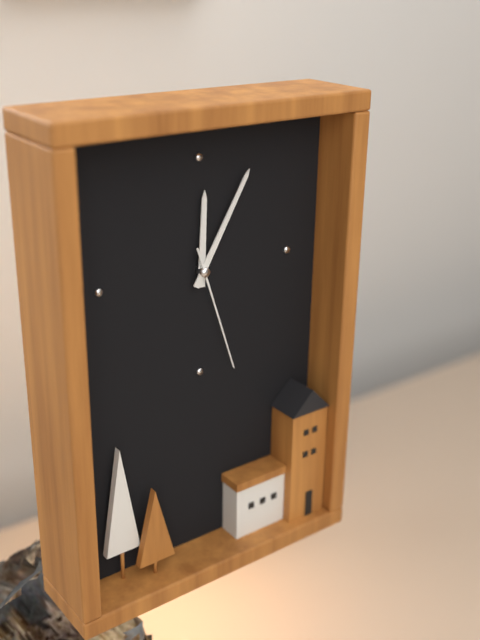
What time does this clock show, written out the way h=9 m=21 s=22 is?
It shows h=12 m=5 s=27
